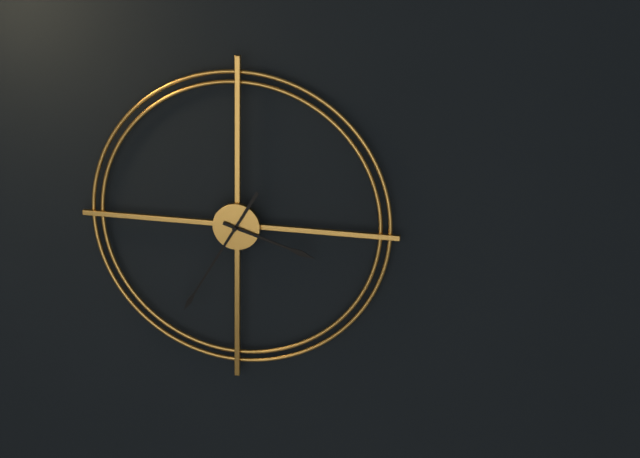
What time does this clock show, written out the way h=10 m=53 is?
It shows h=3 m=35
